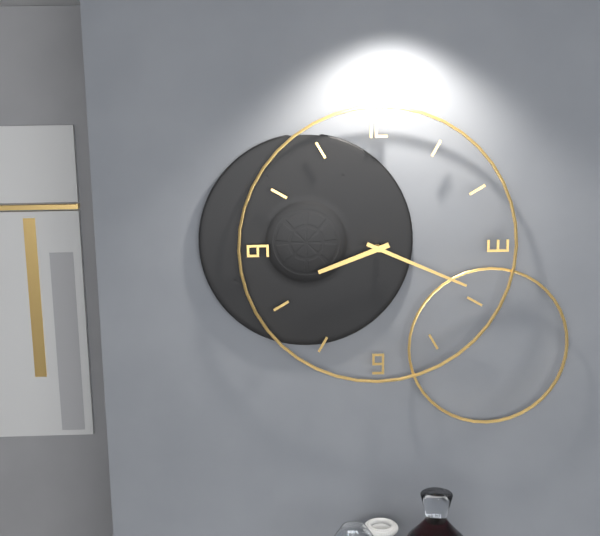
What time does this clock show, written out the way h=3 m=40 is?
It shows h=8 m=19
